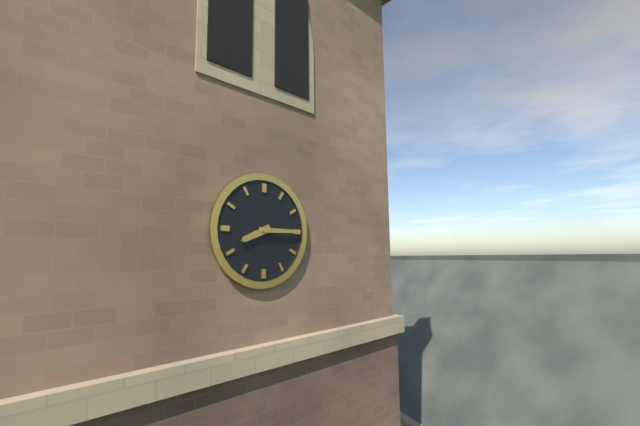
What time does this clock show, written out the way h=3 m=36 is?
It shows h=8 m=15
